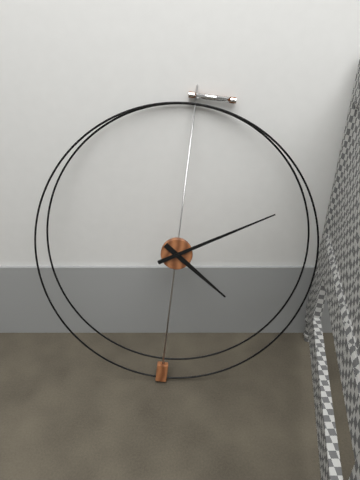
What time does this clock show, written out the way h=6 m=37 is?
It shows h=4 m=10
